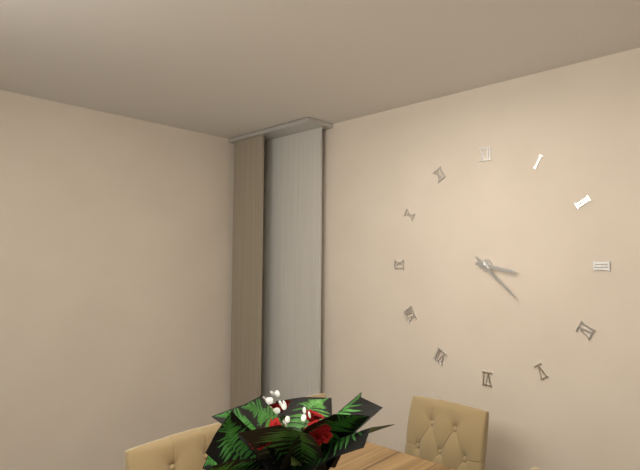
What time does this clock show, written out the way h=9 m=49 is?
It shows h=3 m=22
